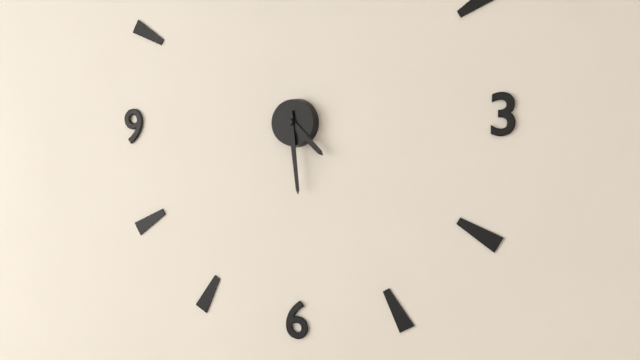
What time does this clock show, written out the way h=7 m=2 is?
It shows h=4 m=29
